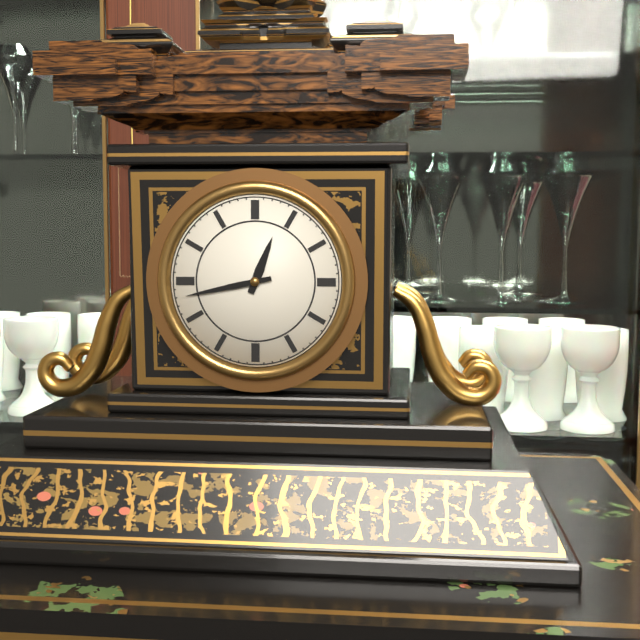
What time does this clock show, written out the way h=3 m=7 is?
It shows h=12 m=43
